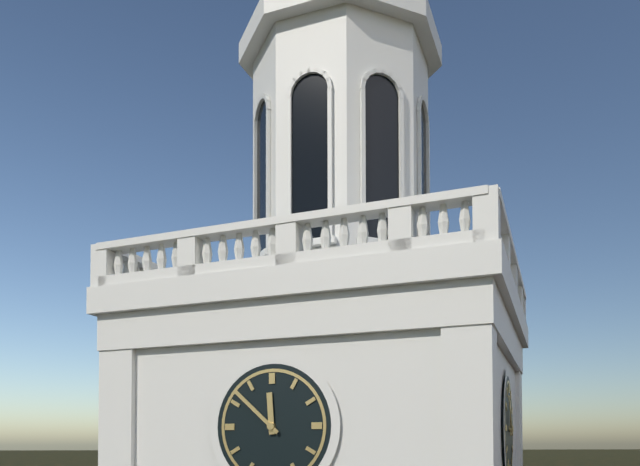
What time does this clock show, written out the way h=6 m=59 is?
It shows h=11 m=52
